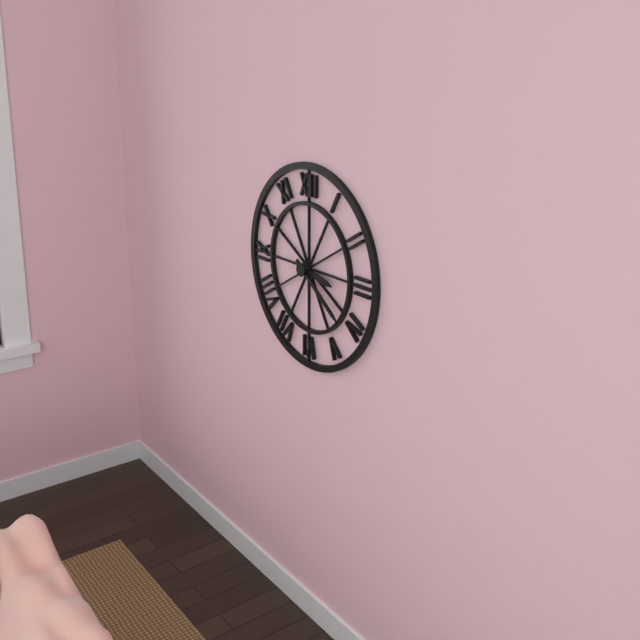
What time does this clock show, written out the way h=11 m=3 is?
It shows h=3 m=21
